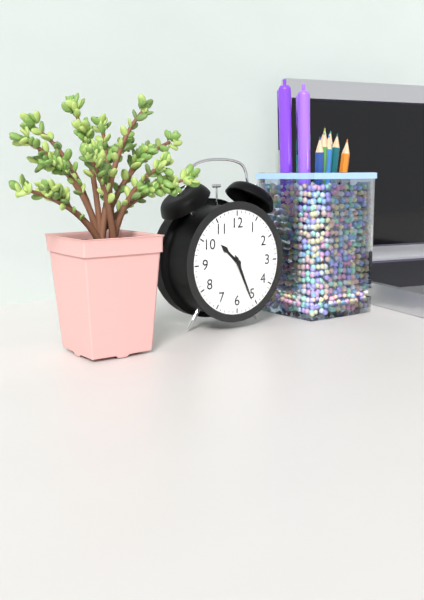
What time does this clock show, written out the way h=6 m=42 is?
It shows h=10 m=26
